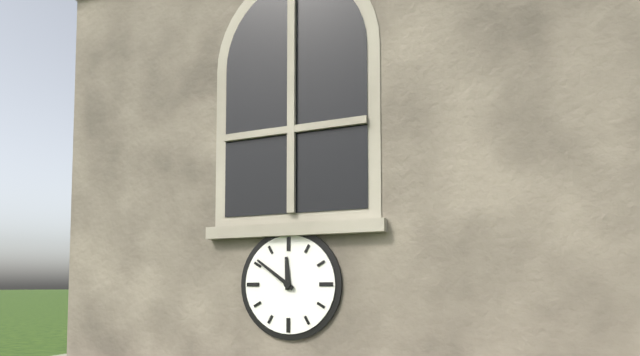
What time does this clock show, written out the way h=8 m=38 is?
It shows h=11 m=51
